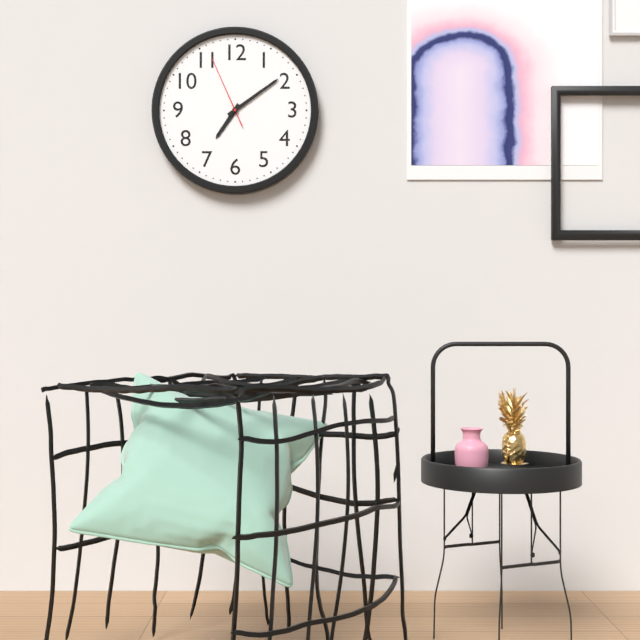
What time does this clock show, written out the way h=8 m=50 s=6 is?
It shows h=7 m=9 s=56
